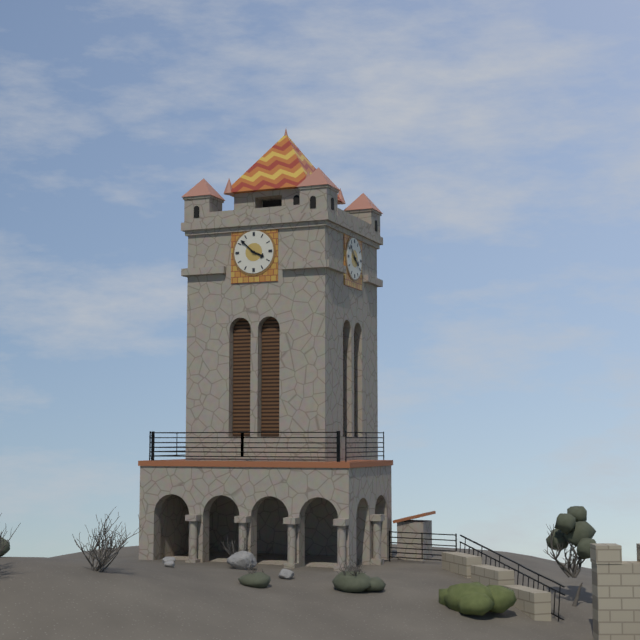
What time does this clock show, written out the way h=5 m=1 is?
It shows h=3 m=52
